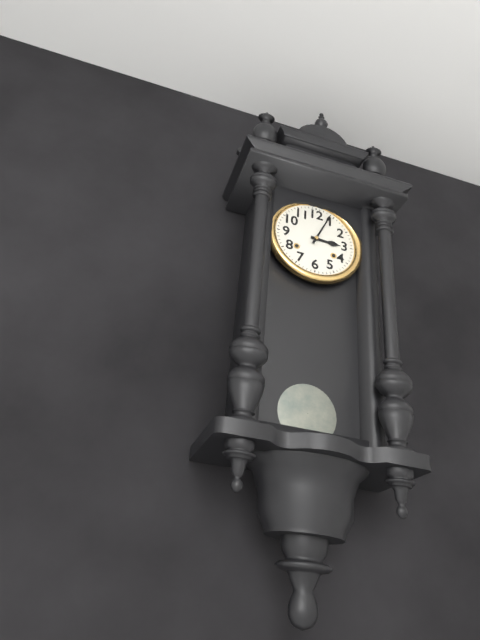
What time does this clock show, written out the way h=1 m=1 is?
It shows h=3 m=4
